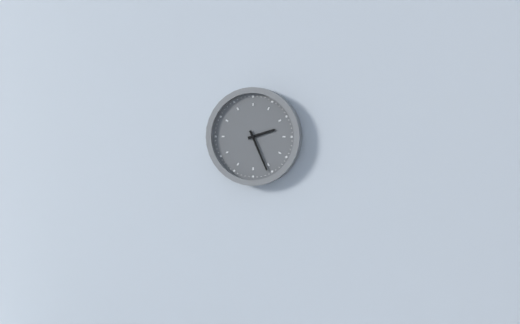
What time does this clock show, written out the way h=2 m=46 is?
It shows h=2 m=26
